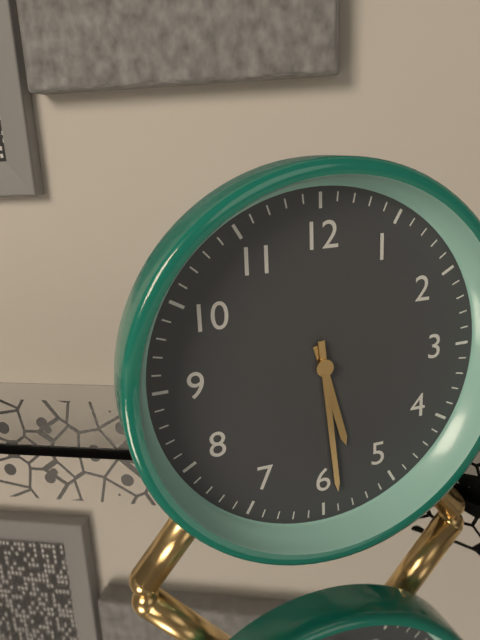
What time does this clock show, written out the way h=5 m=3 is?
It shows h=5 m=29
